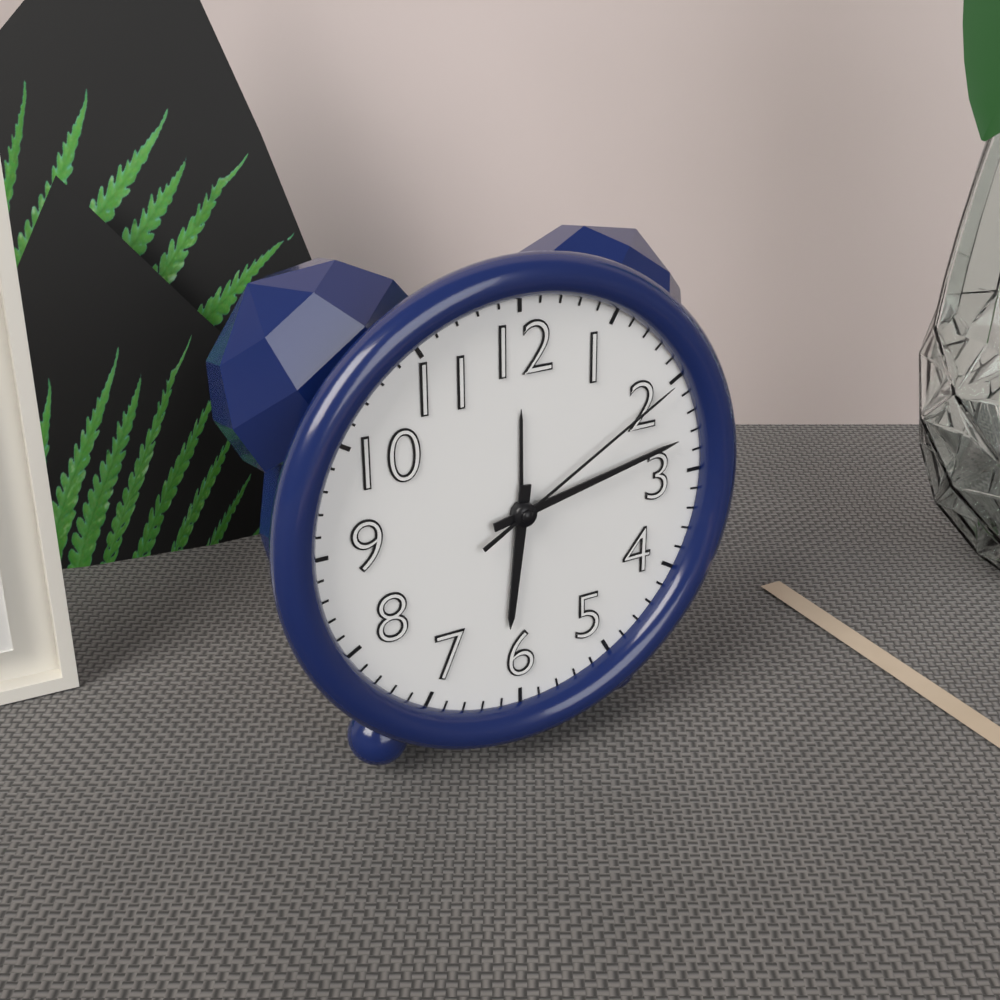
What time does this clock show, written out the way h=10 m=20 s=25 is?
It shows h=6 m=13 s=10
